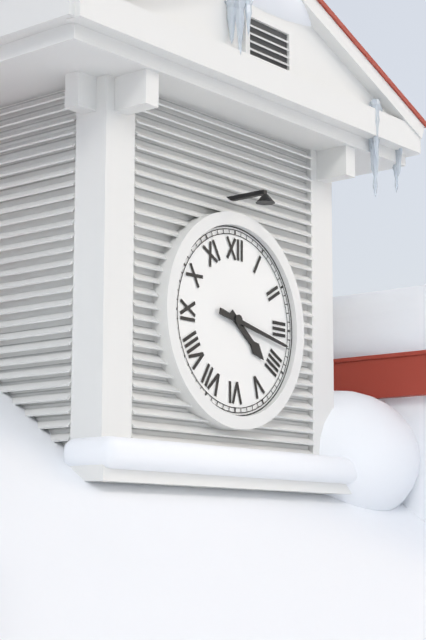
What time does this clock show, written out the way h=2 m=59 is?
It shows h=4 m=17
